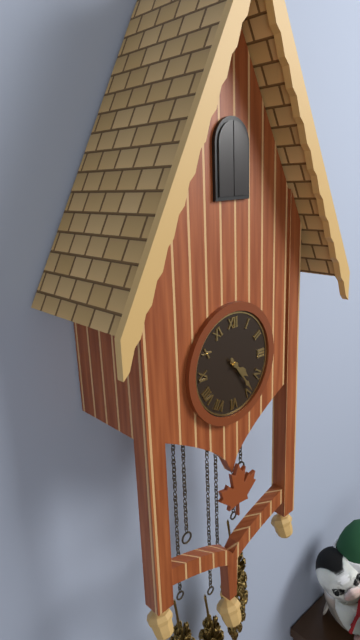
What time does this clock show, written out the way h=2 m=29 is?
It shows h=4 m=24
